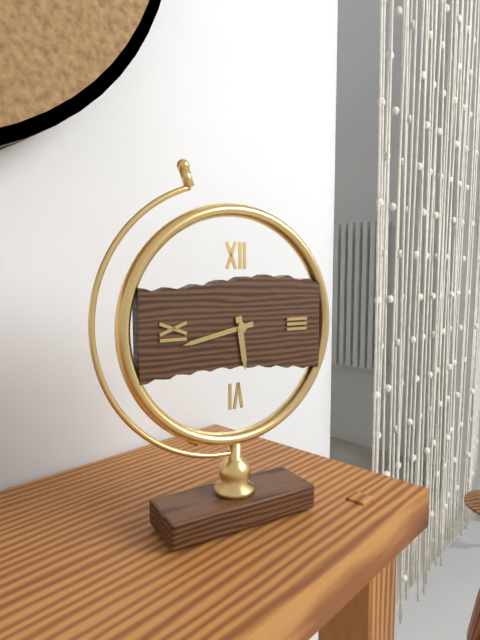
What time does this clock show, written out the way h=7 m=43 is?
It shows h=5 m=43
